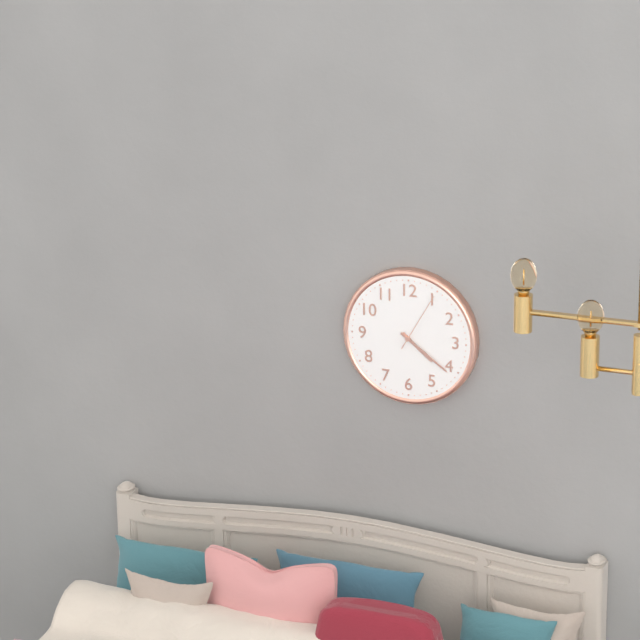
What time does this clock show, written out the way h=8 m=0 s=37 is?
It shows h=4 m=21 s=5
